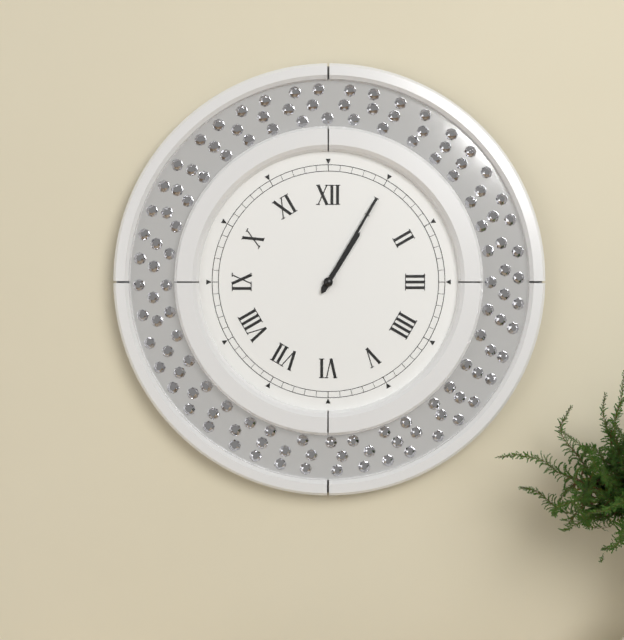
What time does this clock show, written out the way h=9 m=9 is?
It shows h=1 m=5
